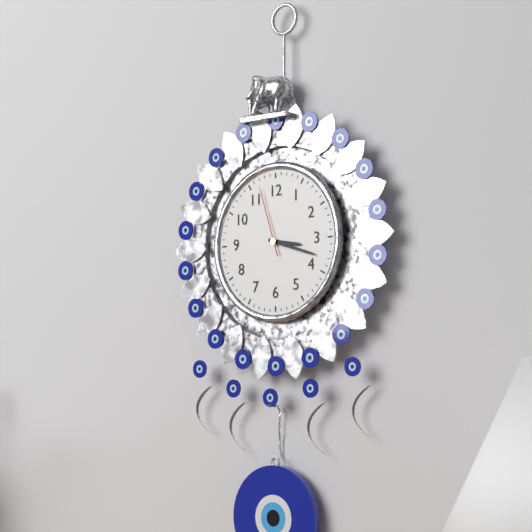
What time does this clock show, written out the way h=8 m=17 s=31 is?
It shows h=3 m=18 s=57
